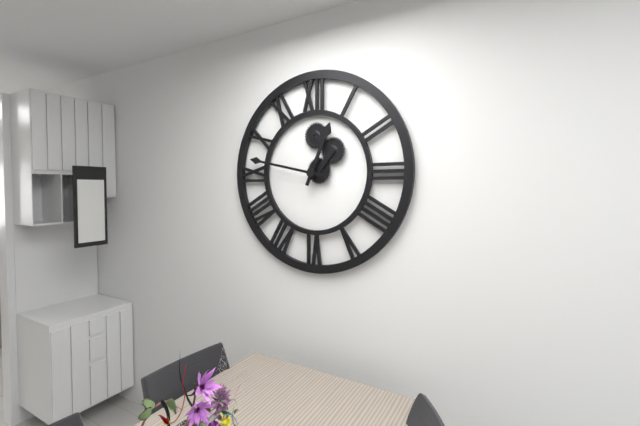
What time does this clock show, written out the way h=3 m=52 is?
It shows h=12 m=47
